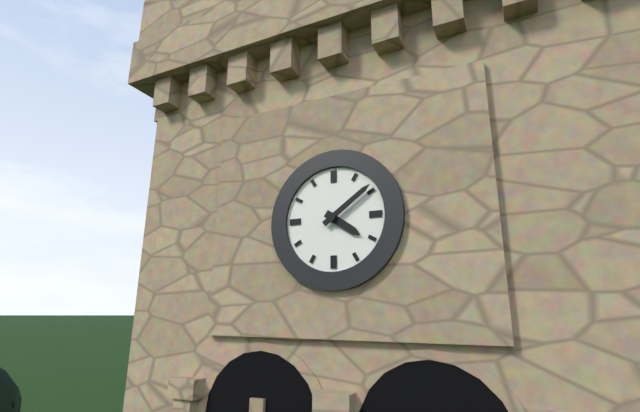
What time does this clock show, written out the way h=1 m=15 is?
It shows h=4 m=9
